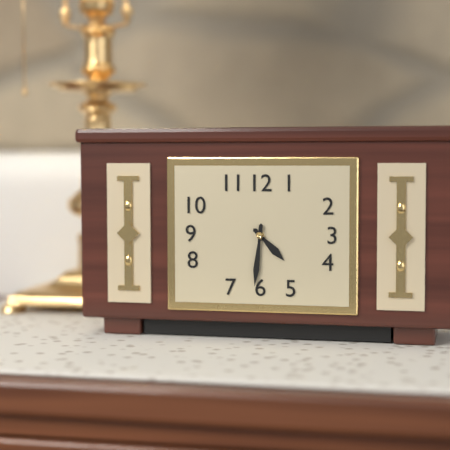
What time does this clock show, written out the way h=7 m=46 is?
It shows h=4 m=31
